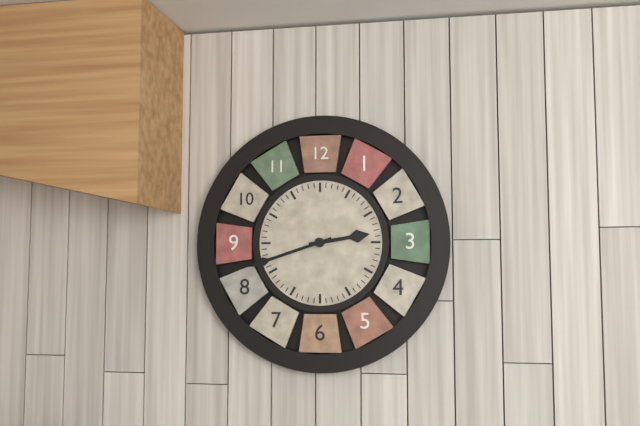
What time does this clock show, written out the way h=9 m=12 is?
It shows h=2 m=42
